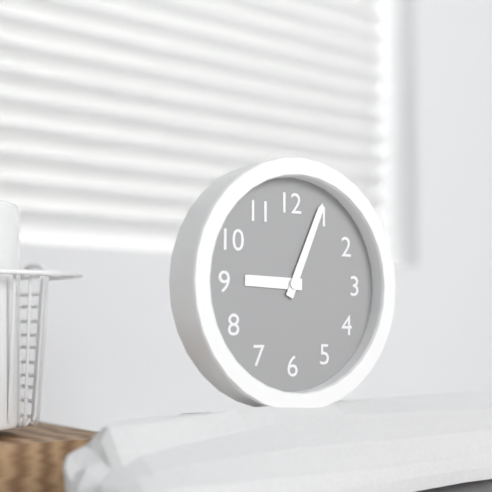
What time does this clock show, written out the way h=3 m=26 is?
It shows h=9 m=4
